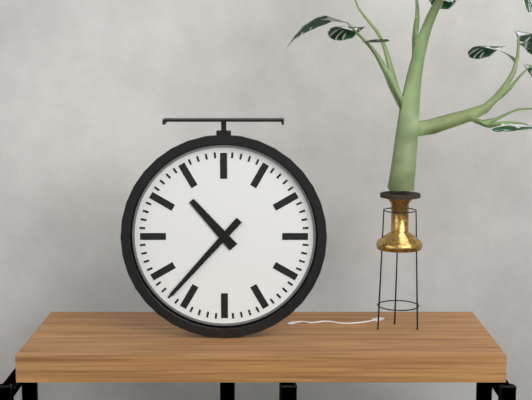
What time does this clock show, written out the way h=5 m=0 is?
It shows h=10 m=37
